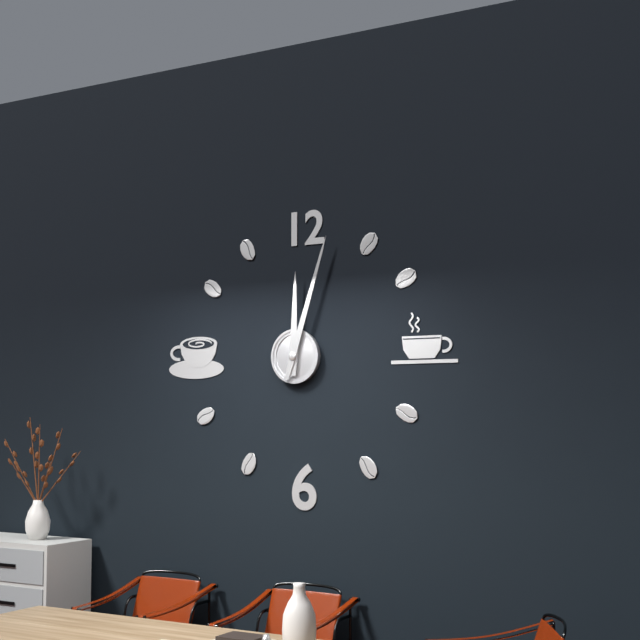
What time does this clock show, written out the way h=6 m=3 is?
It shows h=12 m=3
